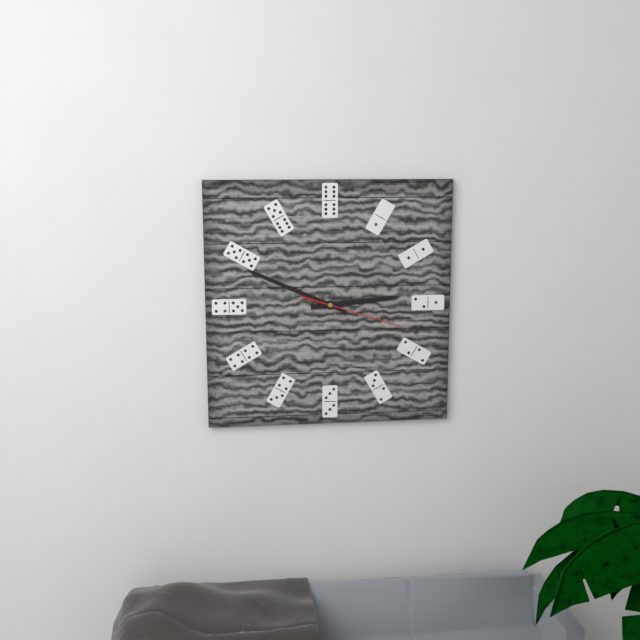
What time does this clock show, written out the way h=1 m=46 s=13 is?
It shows h=2 m=49 s=18
